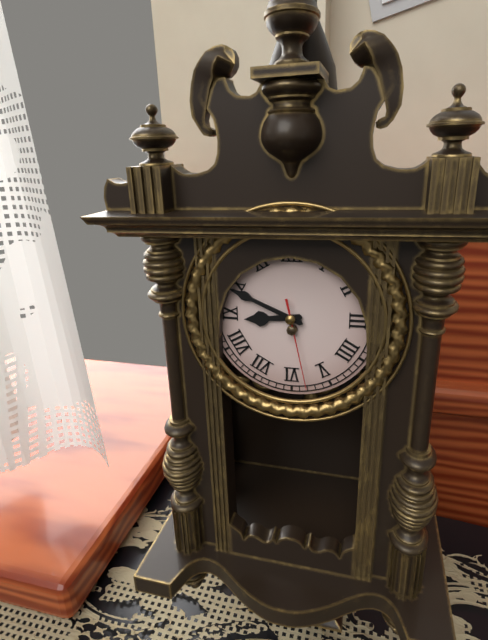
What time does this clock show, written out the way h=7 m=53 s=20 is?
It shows h=8 m=49 s=28
